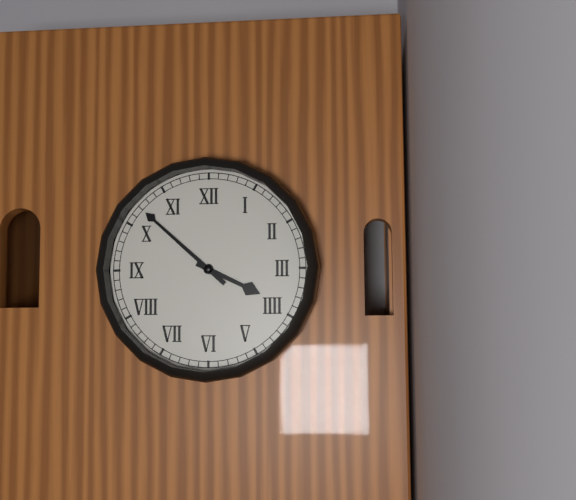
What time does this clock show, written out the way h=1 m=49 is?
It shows h=3 m=52
